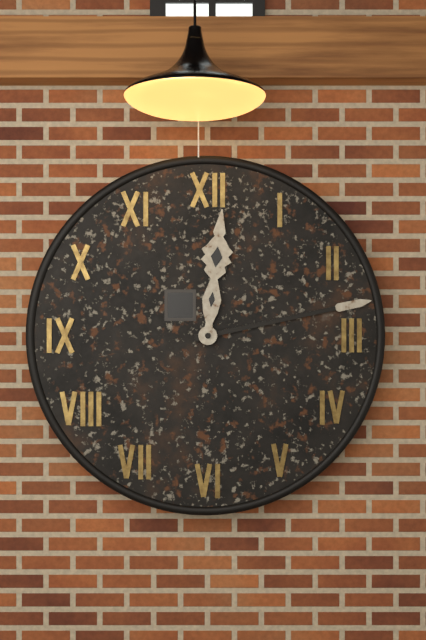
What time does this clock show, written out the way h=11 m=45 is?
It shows h=12 m=13
